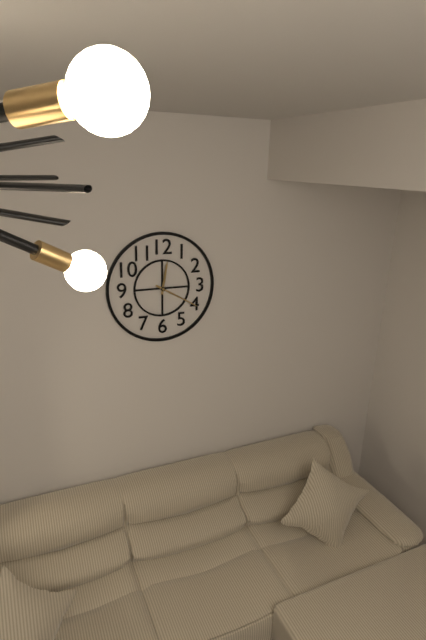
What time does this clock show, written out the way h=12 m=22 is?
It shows h=12 m=20
